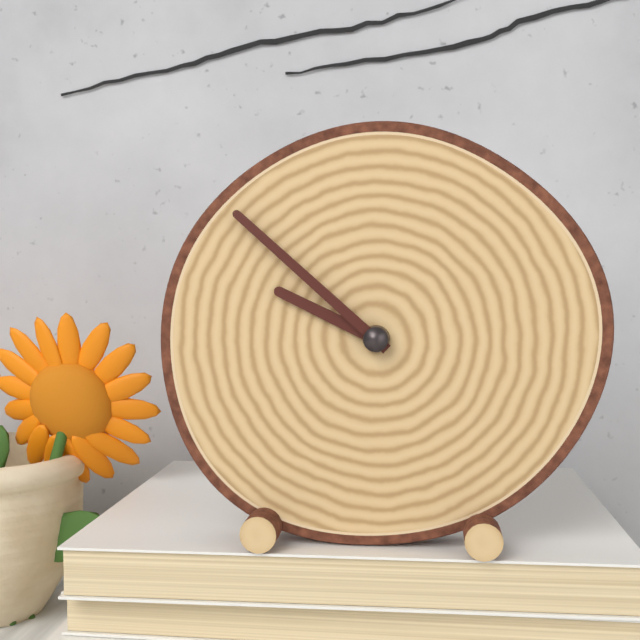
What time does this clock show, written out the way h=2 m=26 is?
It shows h=9 m=52
